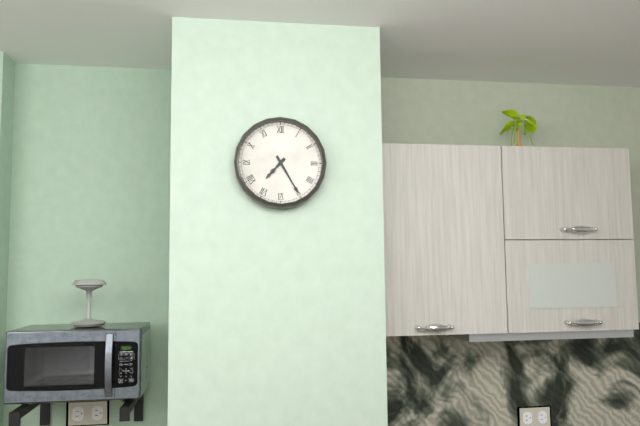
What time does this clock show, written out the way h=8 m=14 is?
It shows h=7 m=25
